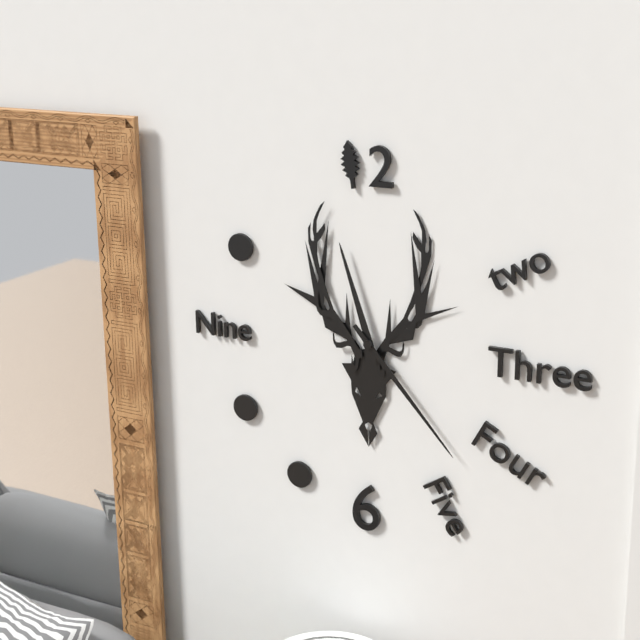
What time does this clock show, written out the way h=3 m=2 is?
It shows h=11 m=23
